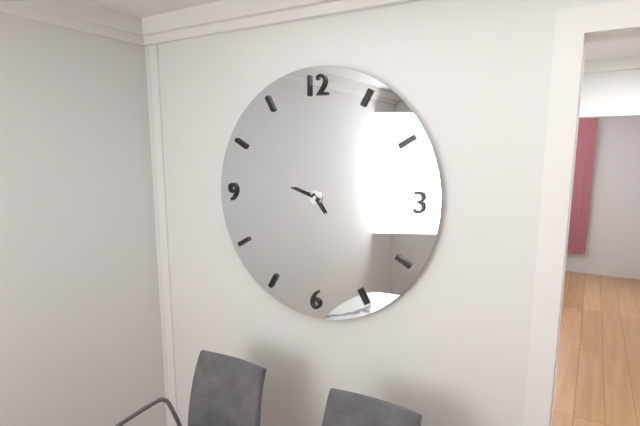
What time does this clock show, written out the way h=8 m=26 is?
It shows h=4 m=48
